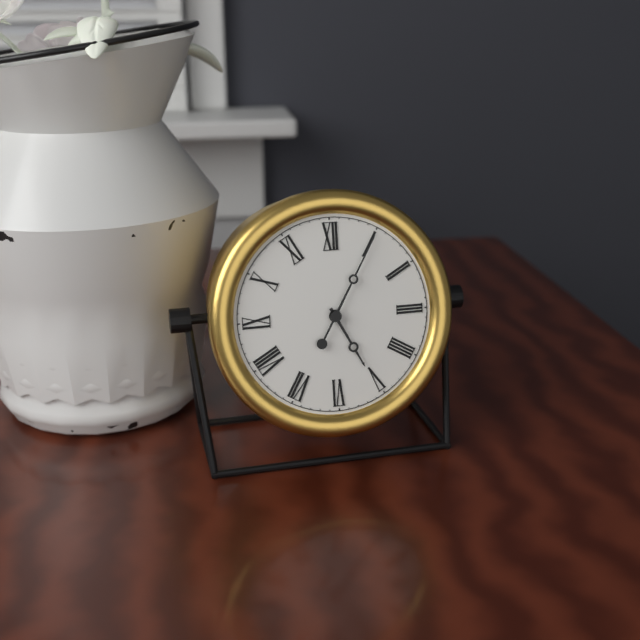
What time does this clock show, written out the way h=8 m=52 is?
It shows h=5 m=5
